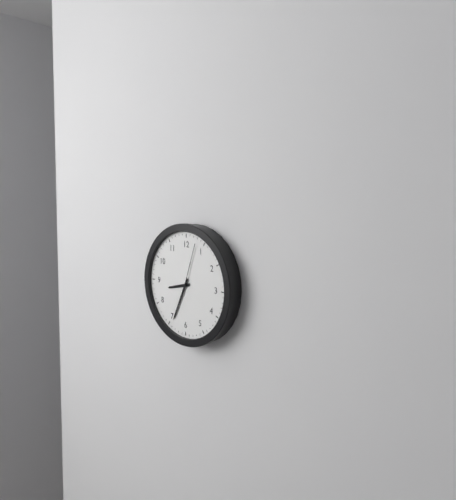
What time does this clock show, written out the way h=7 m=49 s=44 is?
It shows h=8 m=34 s=3
